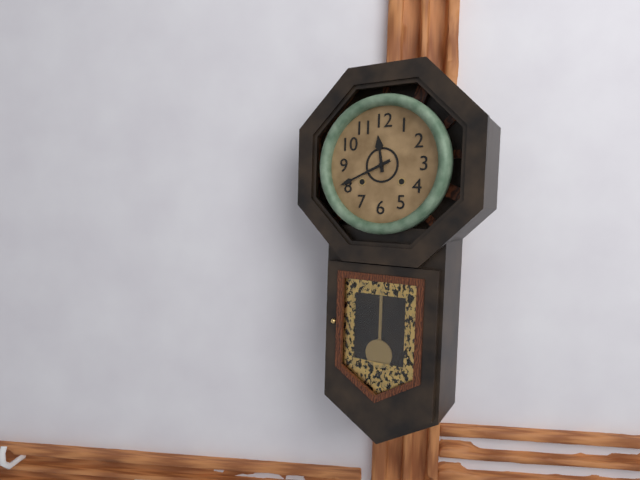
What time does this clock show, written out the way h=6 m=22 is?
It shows h=11 m=41
